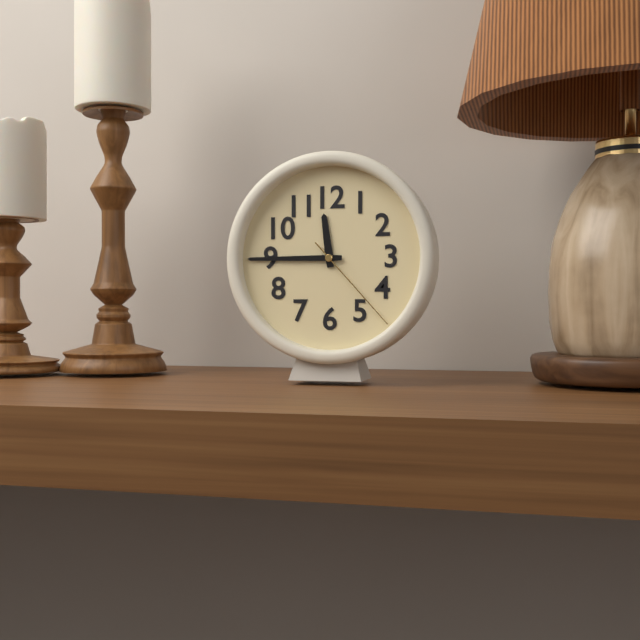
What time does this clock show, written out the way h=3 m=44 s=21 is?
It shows h=11 m=45 s=23
